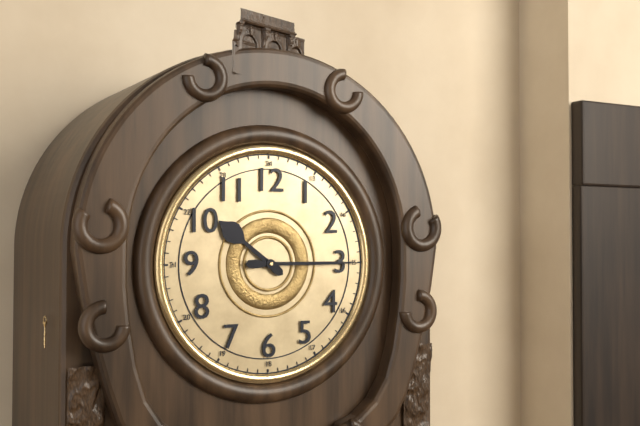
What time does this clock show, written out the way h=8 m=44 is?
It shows h=10 m=15
